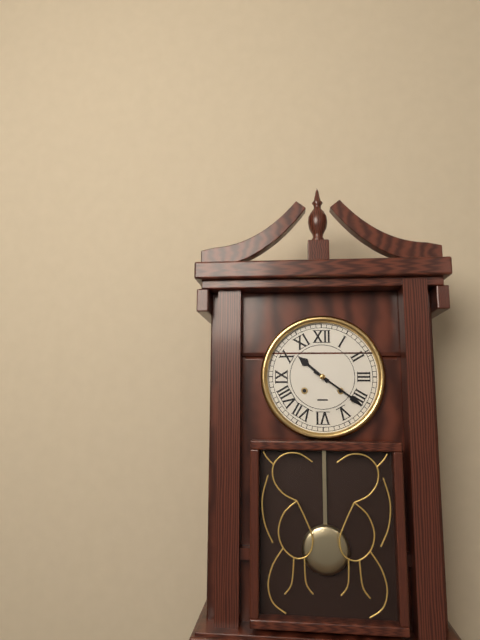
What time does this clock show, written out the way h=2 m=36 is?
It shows h=10 m=21
